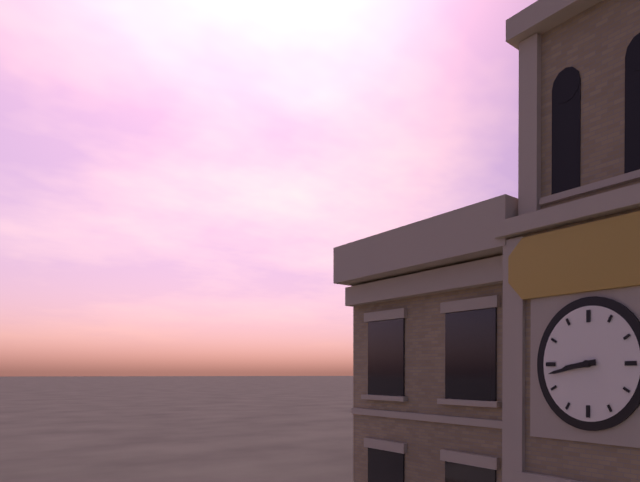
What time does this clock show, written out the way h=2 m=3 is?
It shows h=8 m=43
